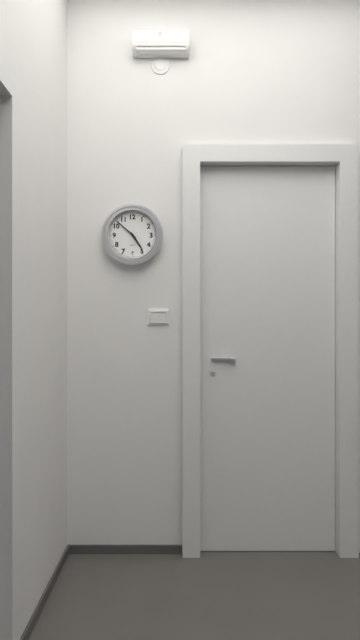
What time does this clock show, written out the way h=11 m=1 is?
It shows h=4 m=52
